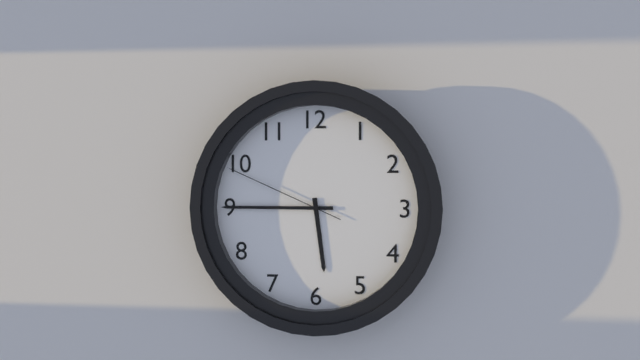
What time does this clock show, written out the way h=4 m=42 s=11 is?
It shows h=5 m=45 s=49
